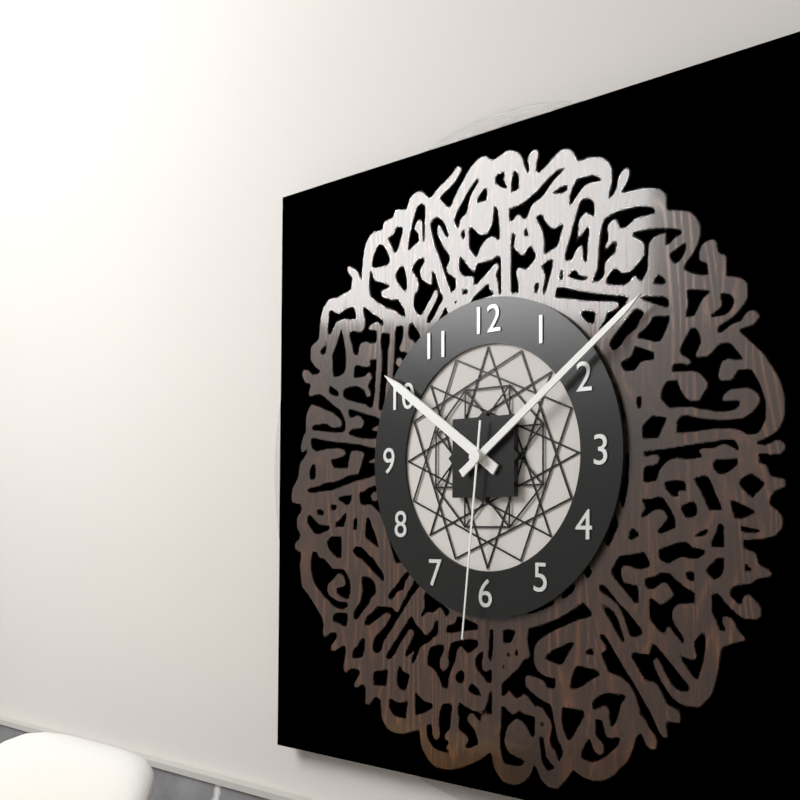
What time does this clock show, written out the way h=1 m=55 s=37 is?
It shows h=10 m=9 s=31
